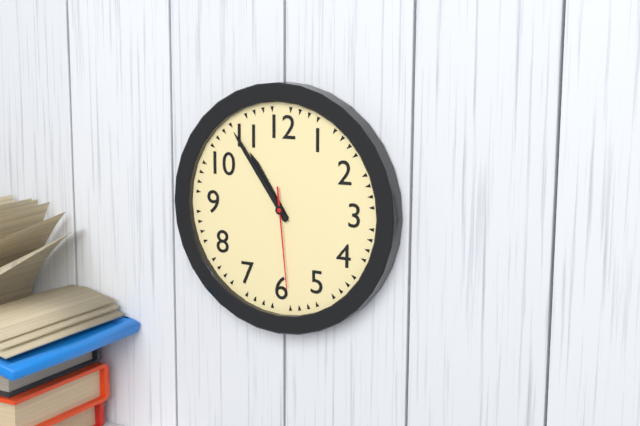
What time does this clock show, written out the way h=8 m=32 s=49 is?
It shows h=10 m=54 s=29
